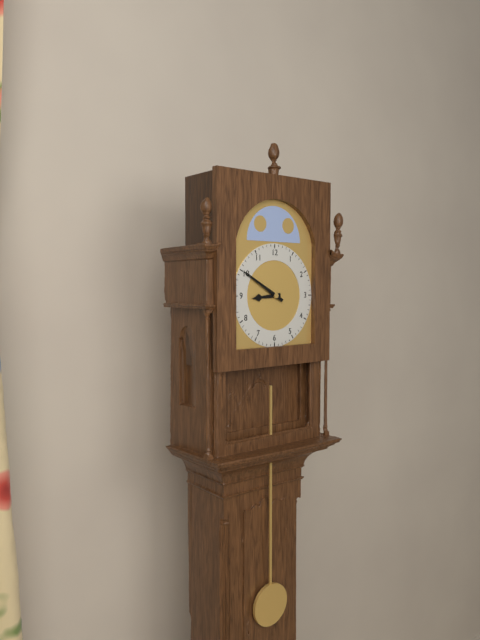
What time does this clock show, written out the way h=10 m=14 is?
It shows h=8 m=50
